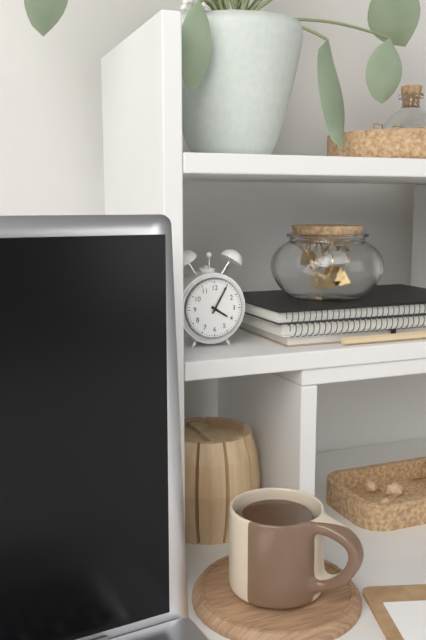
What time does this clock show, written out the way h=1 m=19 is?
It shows h=4 m=5
